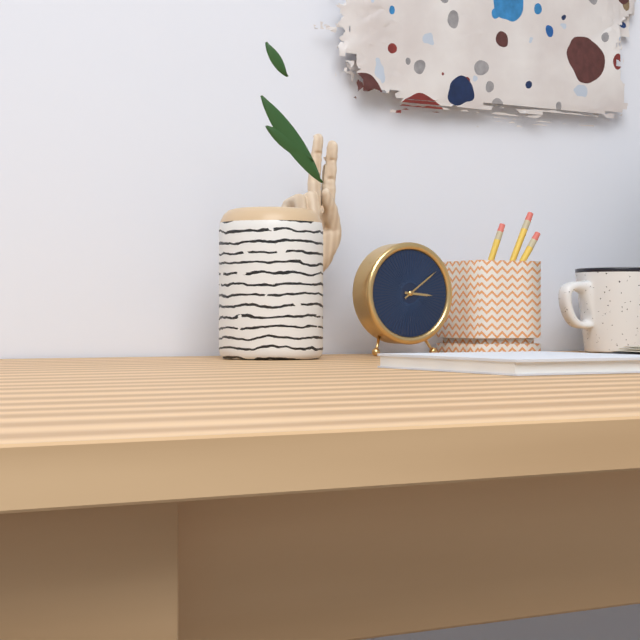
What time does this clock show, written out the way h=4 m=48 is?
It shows h=3 m=9
